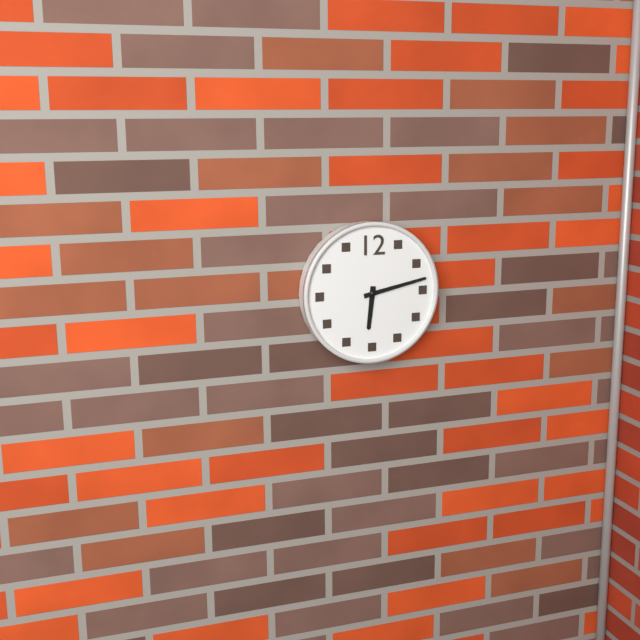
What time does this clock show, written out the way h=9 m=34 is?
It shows h=6 m=13
